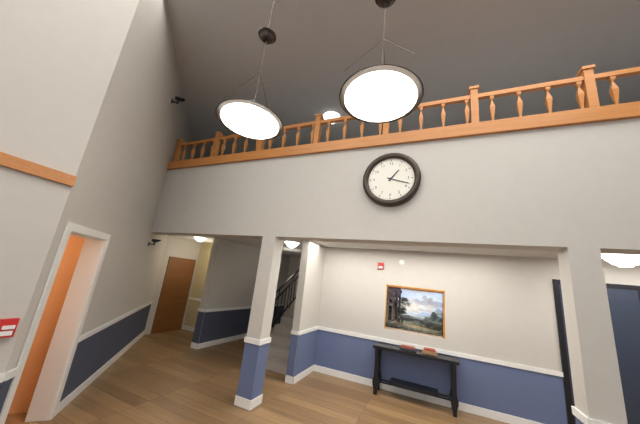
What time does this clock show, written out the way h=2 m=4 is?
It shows h=1 m=18
